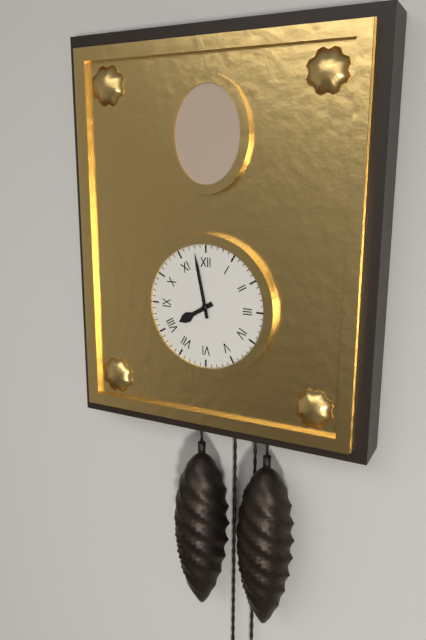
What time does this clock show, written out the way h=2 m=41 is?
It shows h=7 m=58
